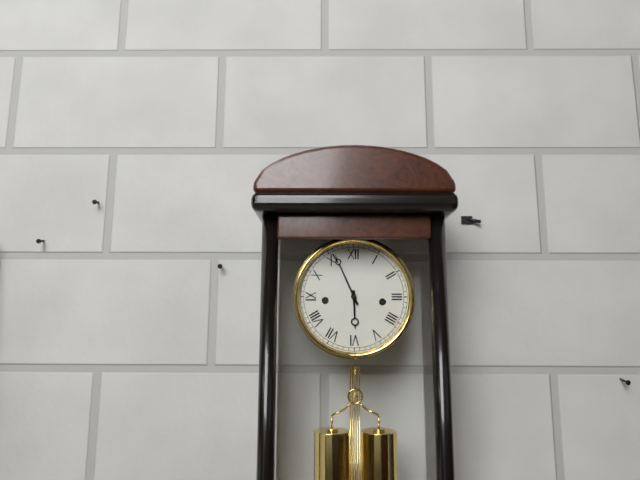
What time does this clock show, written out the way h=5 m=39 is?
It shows h=5 m=56
